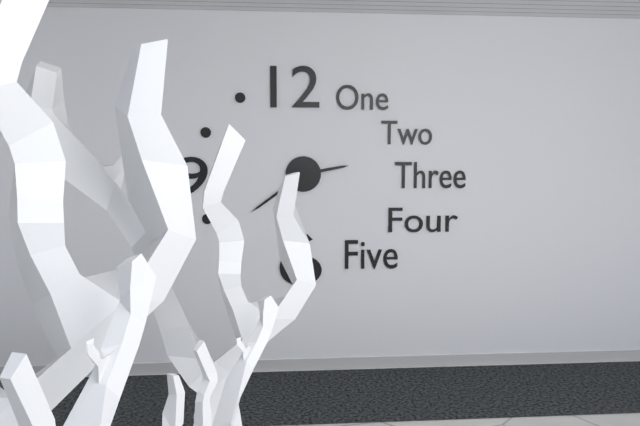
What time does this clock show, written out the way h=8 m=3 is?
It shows h=2 m=39
